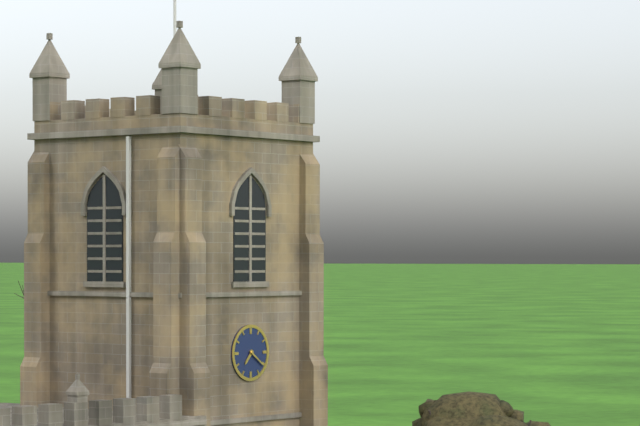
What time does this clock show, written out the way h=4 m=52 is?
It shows h=7 m=21
